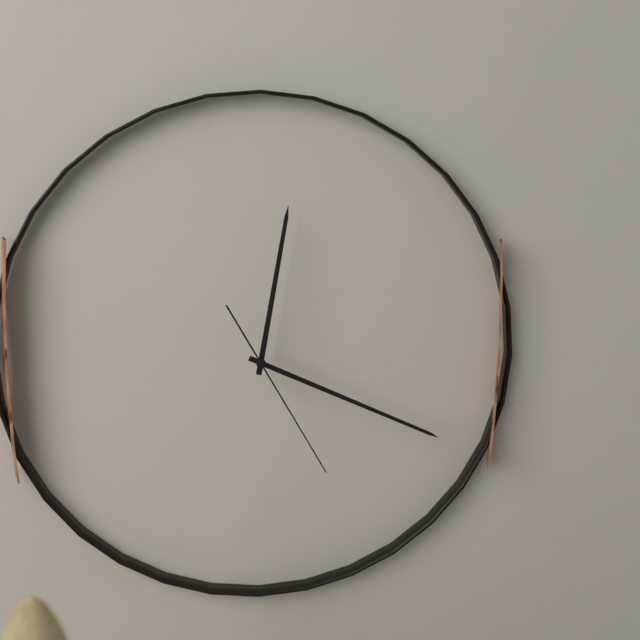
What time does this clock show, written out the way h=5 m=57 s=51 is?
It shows h=12 m=19 s=25
